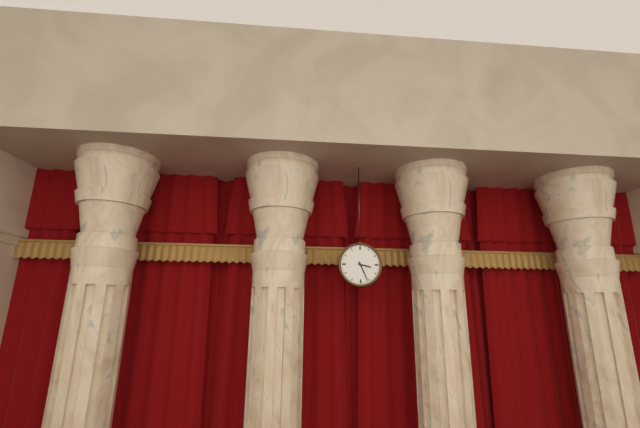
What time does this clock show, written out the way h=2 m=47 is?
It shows h=3 m=26
